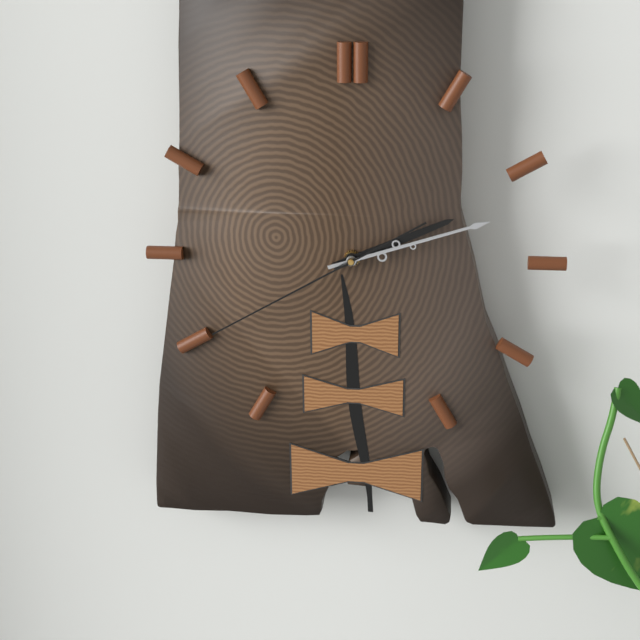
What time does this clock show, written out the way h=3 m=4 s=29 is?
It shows h=2 m=12 s=40
